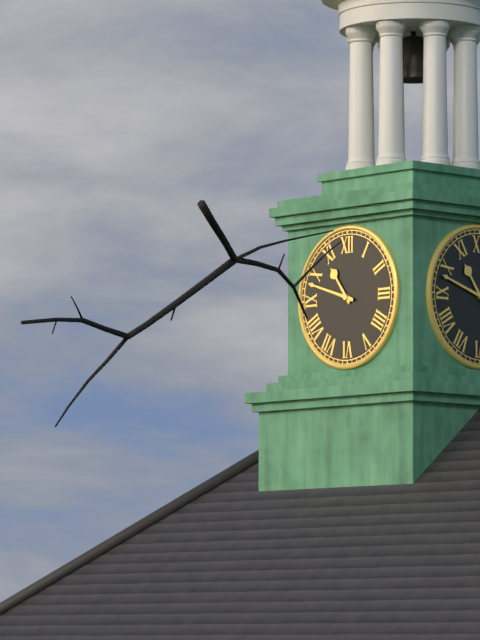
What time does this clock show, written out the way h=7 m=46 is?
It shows h=10 m=48
